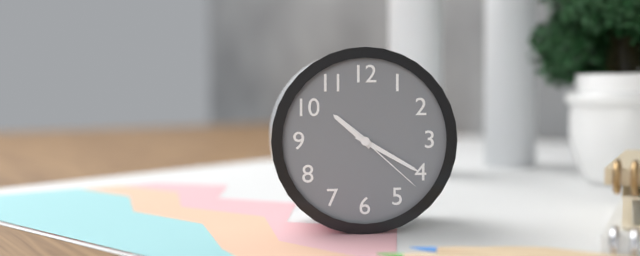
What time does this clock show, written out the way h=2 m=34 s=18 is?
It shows h=10 m=20 s=22
